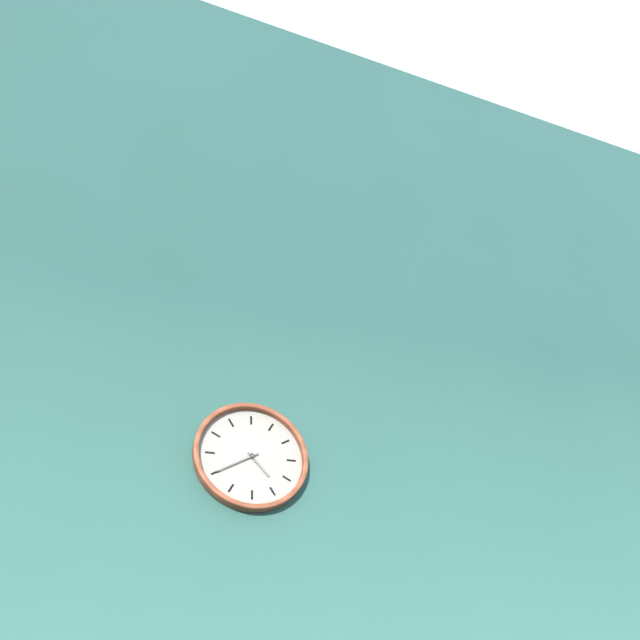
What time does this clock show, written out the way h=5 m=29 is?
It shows h=4 m=40
